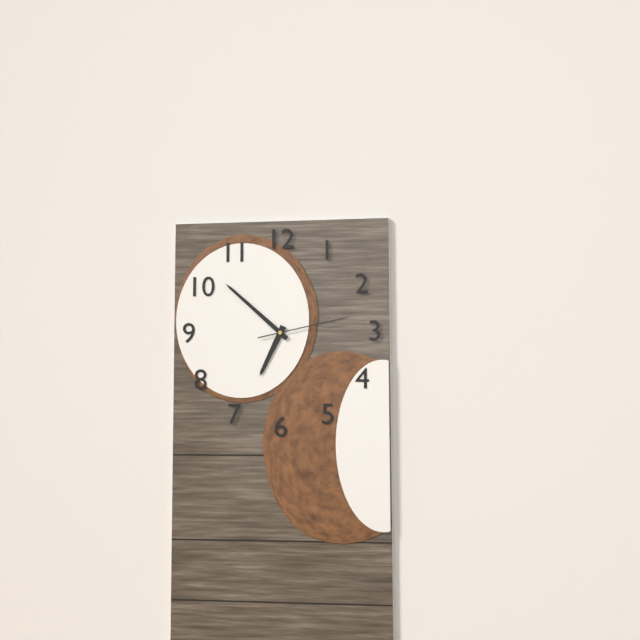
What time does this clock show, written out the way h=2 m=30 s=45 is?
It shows h=6 m=52 s=13
